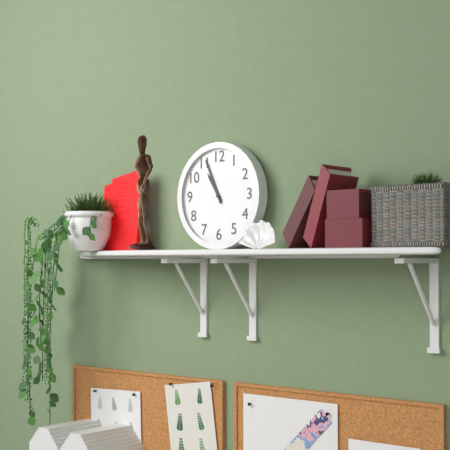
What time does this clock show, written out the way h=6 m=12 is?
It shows h=10 m=56
